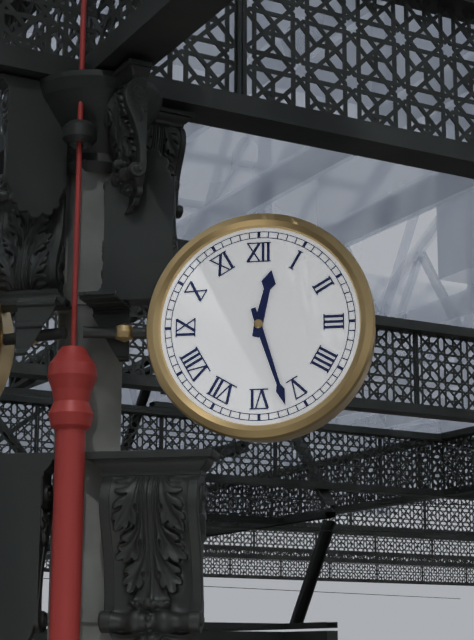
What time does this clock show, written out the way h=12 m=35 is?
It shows h=12 m=27
